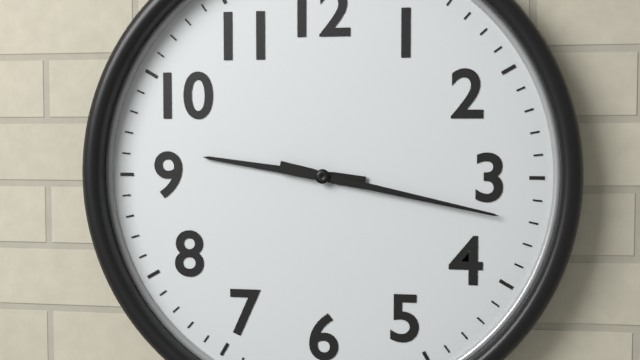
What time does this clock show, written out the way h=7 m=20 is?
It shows h=9 m=17
